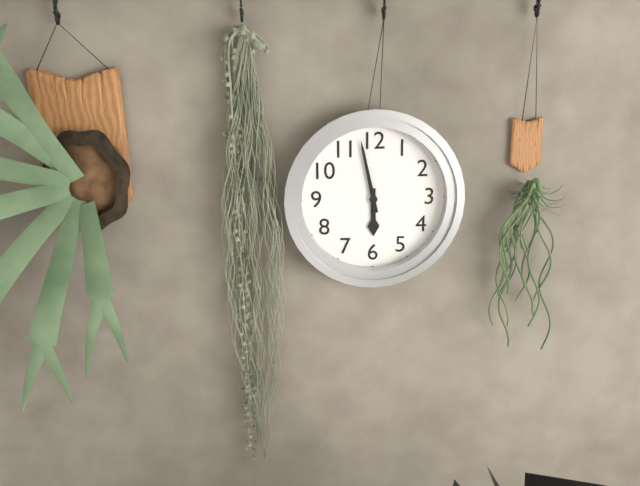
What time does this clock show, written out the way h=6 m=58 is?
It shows h=5 m=58
